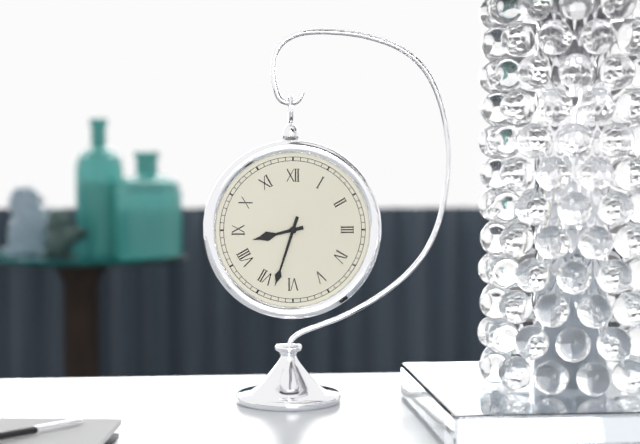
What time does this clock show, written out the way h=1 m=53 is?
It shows h=8 m=33
